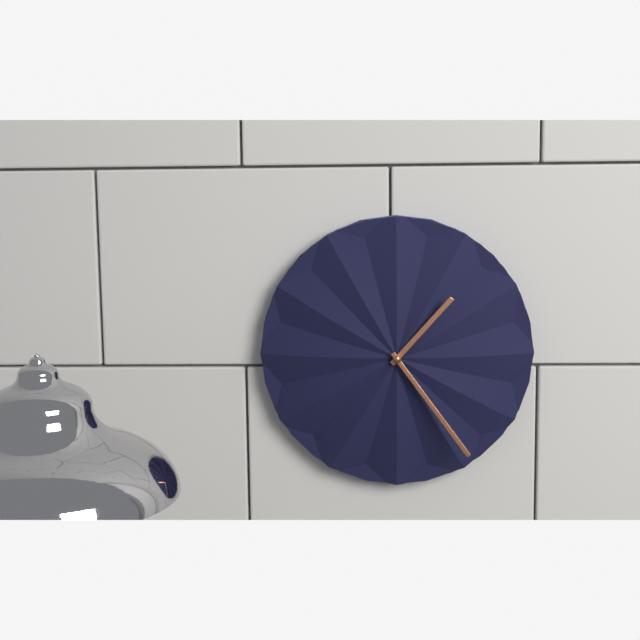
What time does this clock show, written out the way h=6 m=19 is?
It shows h=1 m=24
